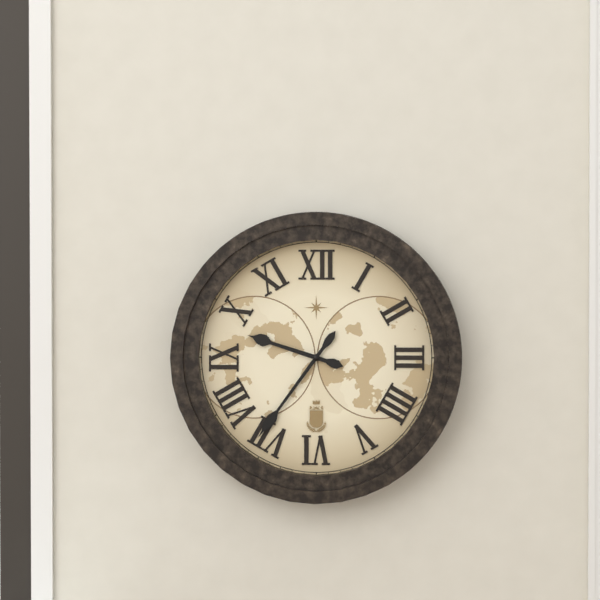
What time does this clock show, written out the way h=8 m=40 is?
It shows h=9 m=36
